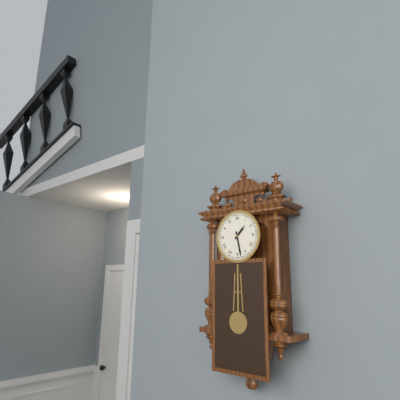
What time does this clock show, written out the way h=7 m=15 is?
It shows h=1 m=28
